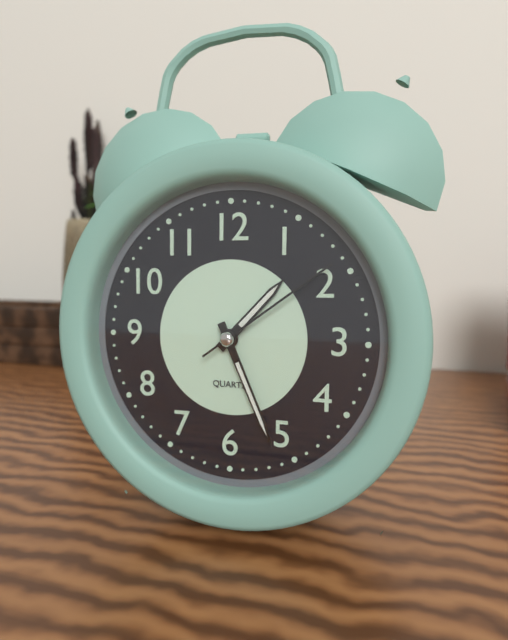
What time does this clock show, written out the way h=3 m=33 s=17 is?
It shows h=1 m=26 s=9
